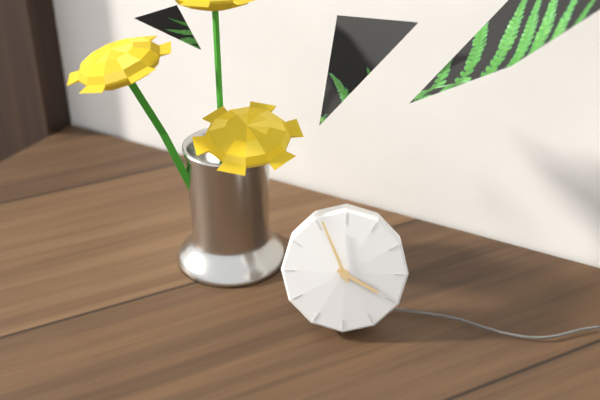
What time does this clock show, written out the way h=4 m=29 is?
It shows h=3 m=56
